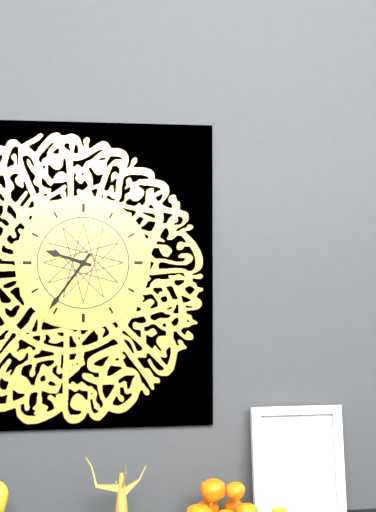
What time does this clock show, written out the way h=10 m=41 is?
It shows h=9 m=36
